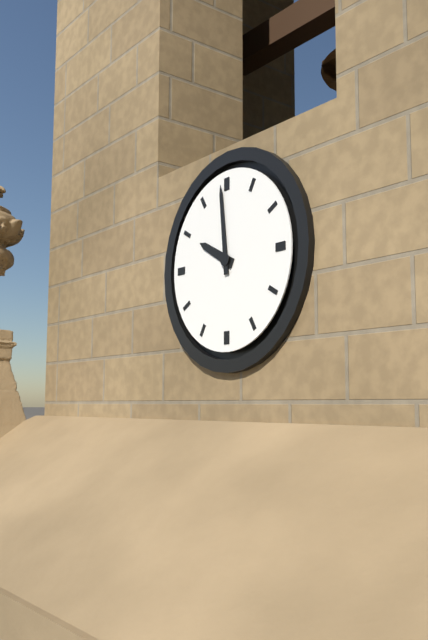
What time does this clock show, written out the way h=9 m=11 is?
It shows h=9 m=59
